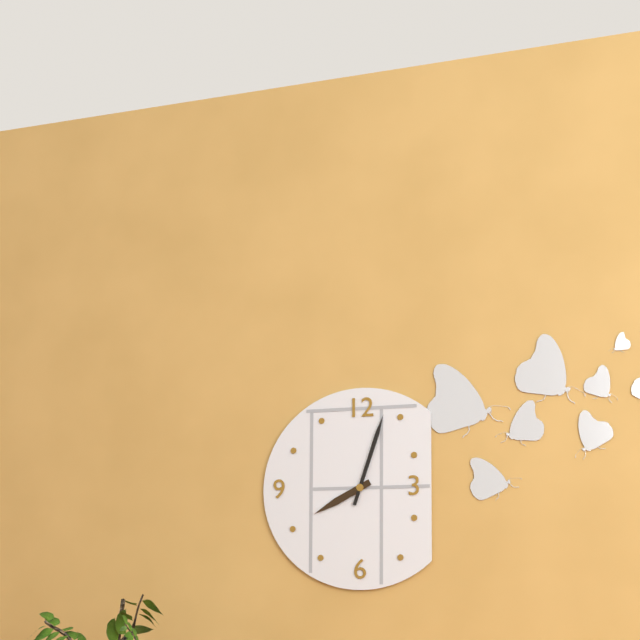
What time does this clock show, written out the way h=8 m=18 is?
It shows h=8 m=3
